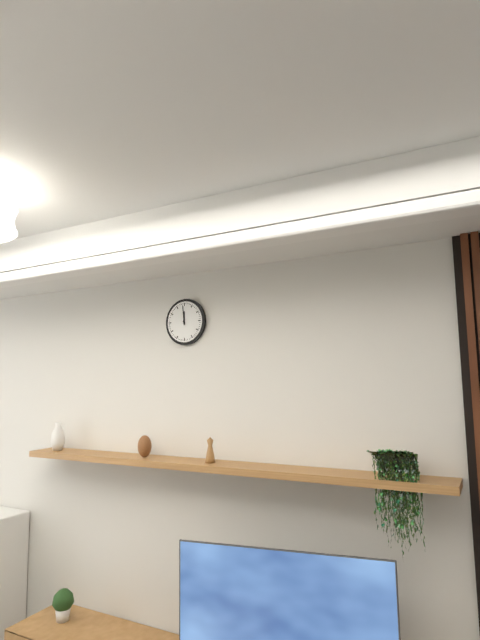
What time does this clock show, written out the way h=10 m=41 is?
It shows h=11 m=59
